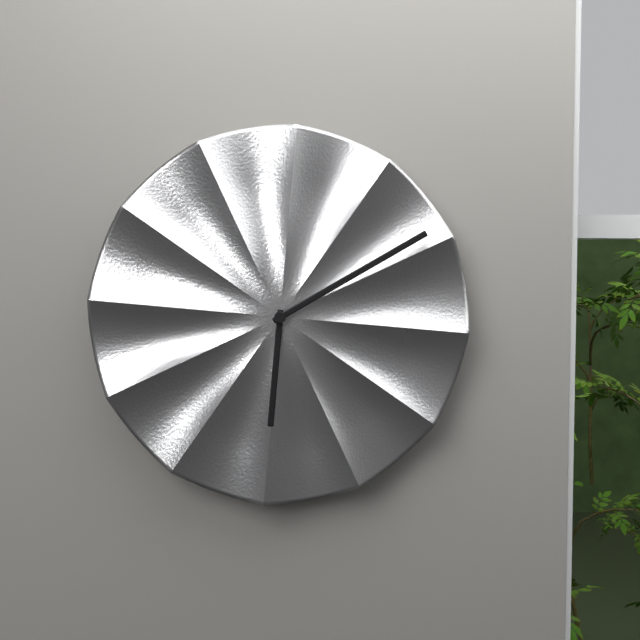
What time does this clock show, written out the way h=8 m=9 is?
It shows h=6 m=10
